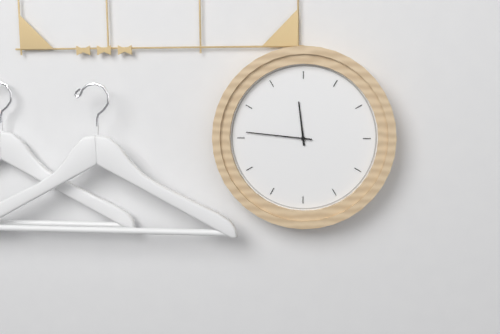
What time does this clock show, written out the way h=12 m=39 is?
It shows h=11 m=46
